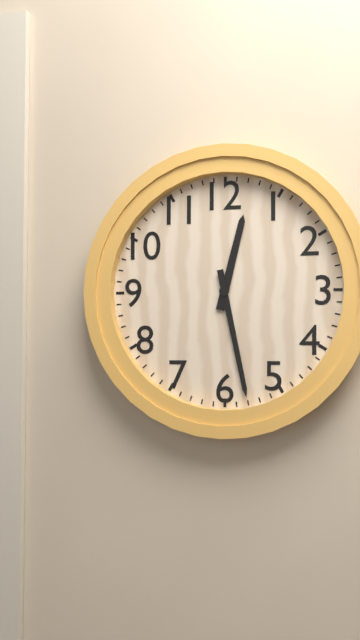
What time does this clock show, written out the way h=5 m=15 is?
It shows h=12 m=28
